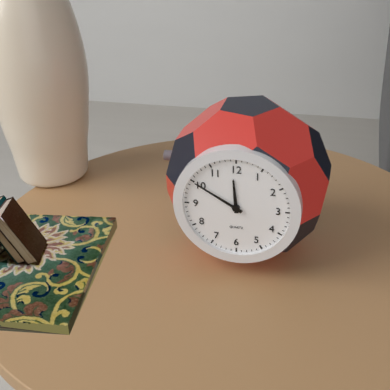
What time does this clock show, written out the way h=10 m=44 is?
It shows h=11 m=50
